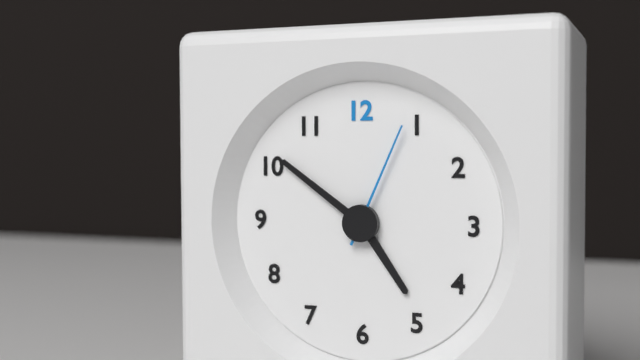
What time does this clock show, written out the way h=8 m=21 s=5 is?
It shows h=4 m=51 s=4
